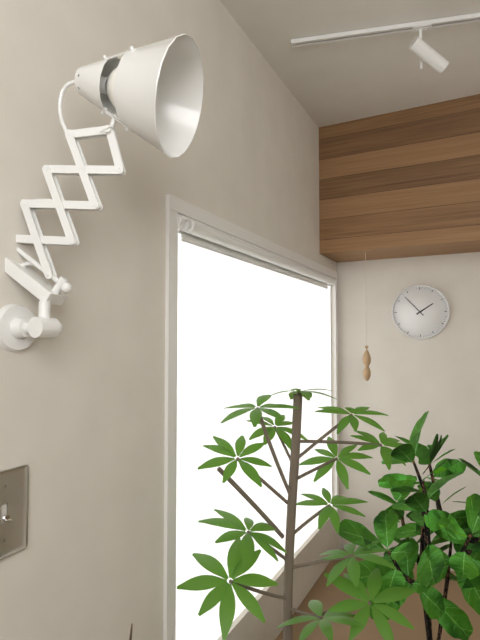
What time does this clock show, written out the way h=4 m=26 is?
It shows h=1 m=53
